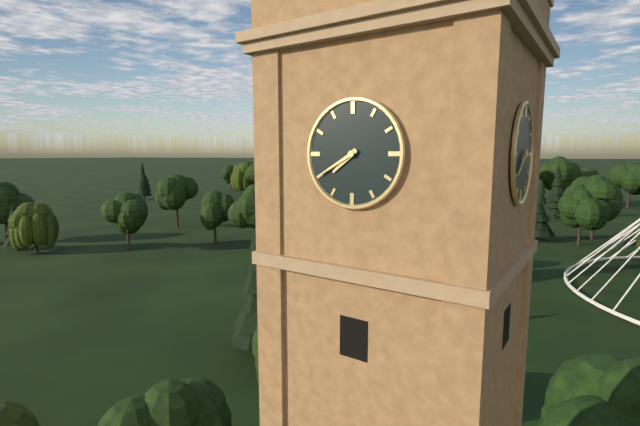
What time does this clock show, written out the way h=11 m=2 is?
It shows h=7 m=40
